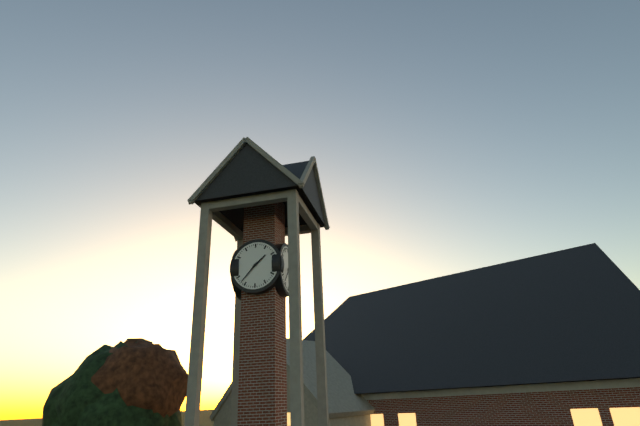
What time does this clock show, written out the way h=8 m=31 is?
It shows h=1 m=37
